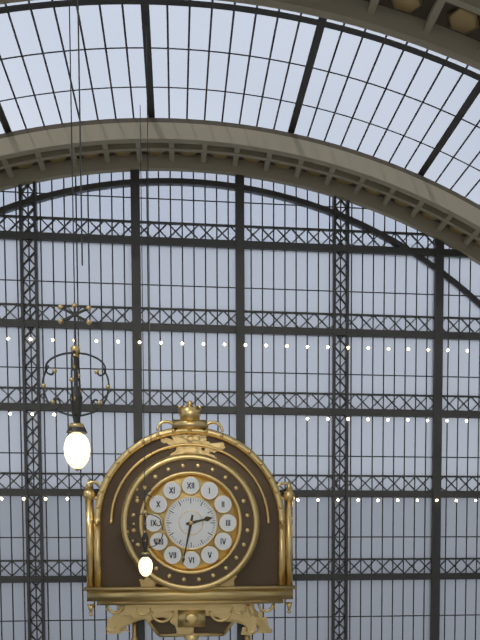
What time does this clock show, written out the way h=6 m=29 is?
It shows h=2 m=32
